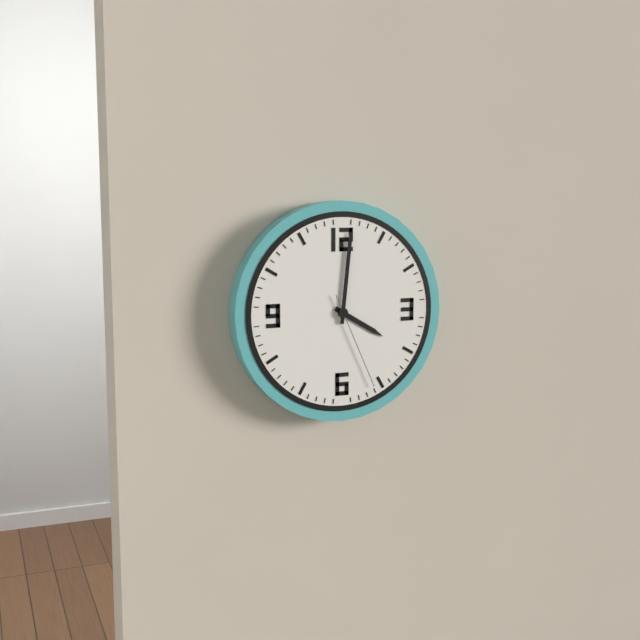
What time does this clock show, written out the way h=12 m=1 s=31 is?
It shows h=4 m=1 s=26
